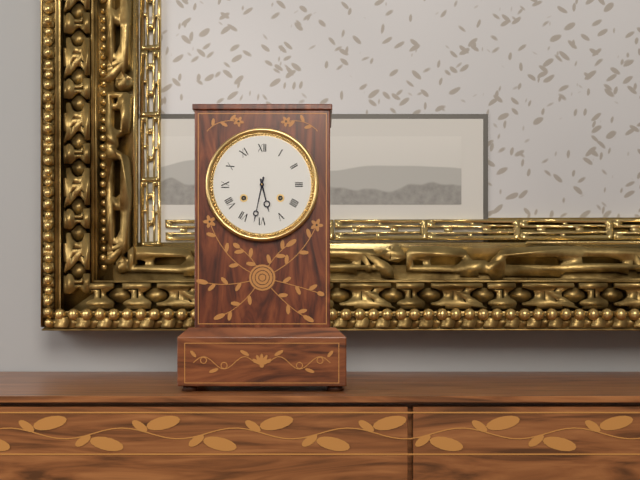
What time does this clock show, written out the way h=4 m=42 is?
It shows h=5 m=32
